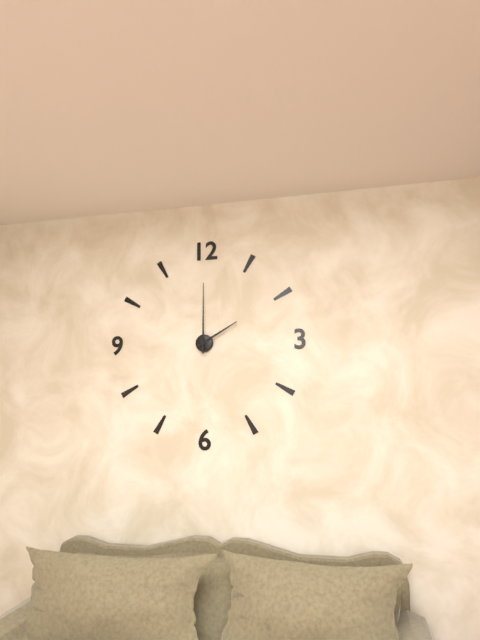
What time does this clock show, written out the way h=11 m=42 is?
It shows h=2 m=0
